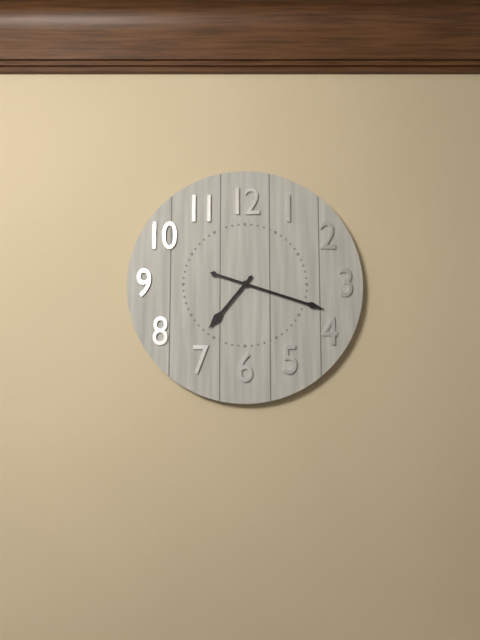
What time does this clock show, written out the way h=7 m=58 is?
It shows h=7 m=18
